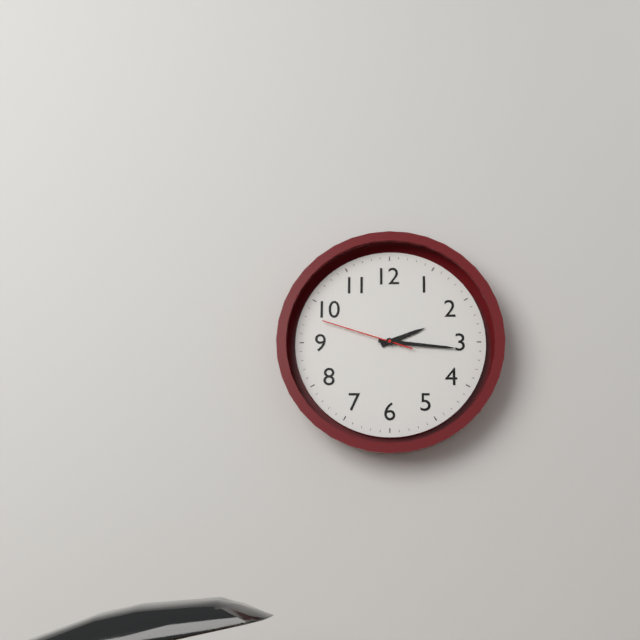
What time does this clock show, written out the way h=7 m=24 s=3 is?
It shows h=2 m=16 s=48
